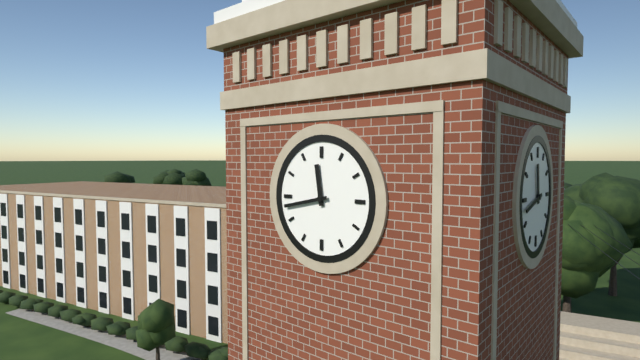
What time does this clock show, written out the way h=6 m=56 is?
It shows h=11 m=43
